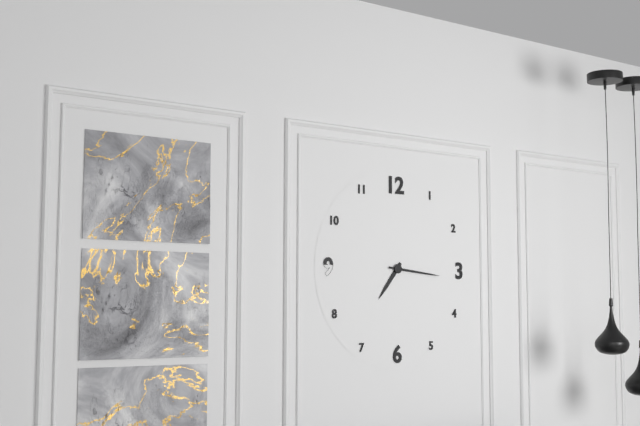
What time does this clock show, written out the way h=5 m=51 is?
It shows h=7 m=16
